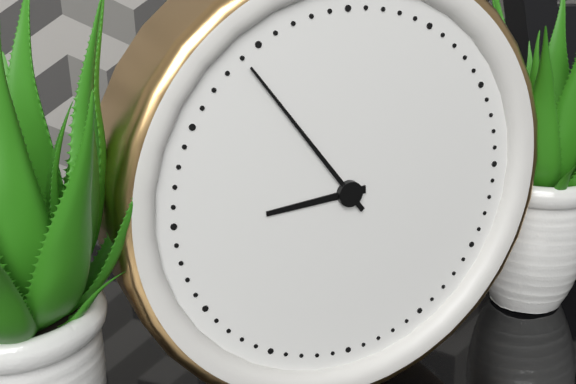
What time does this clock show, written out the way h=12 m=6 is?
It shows h=8 m=54
